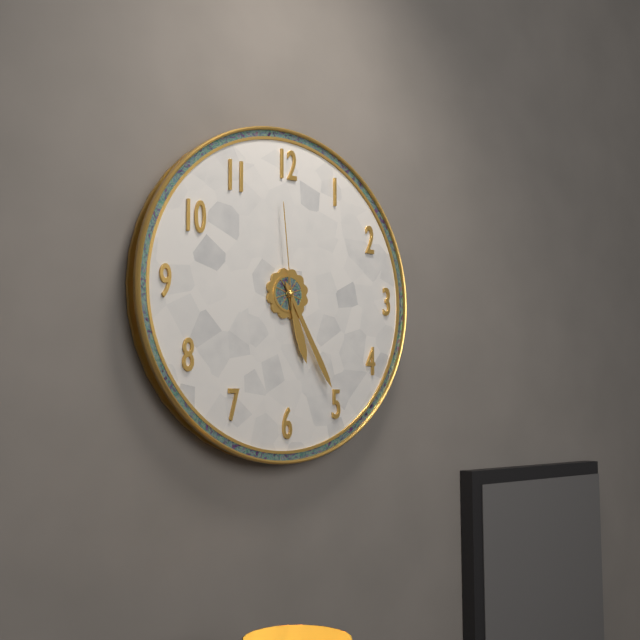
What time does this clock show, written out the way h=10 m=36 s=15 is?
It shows h=5 m=25 s=59
